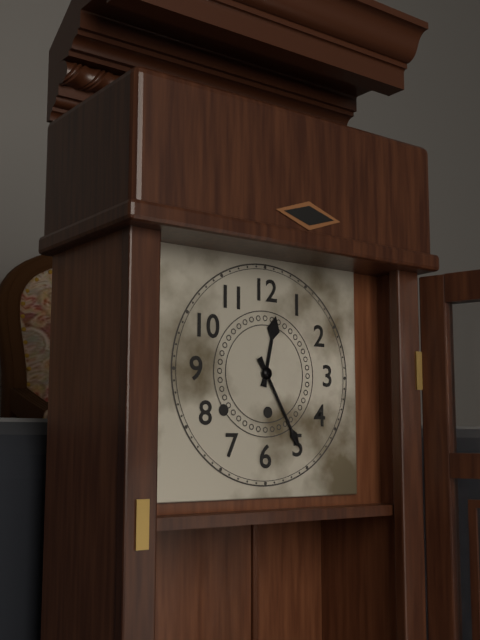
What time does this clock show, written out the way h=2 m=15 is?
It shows h=12 m=25
